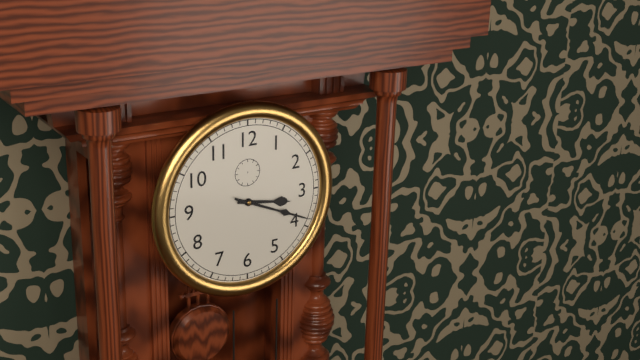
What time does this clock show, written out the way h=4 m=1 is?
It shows h=3 m=19
